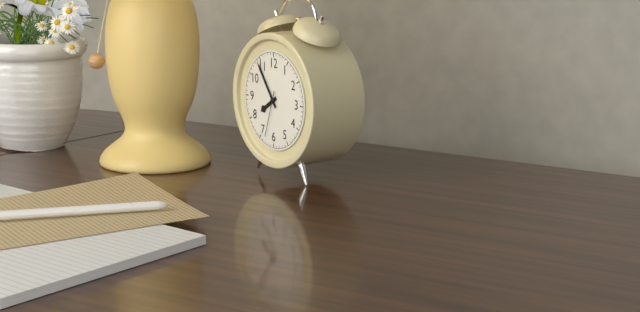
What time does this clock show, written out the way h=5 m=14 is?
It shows h=7 m=54
